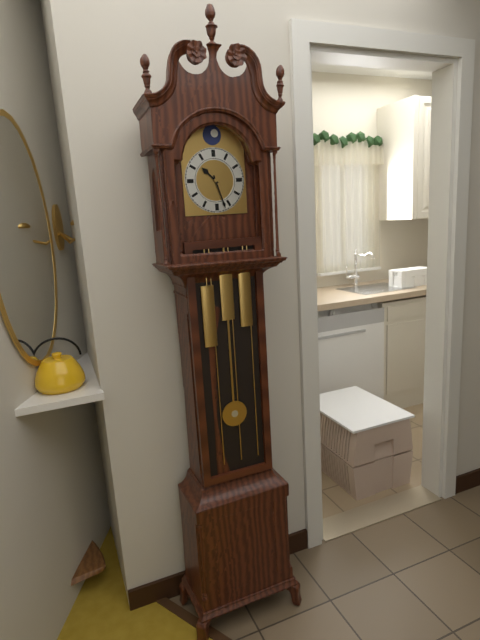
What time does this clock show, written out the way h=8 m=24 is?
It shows h=10 m=27
